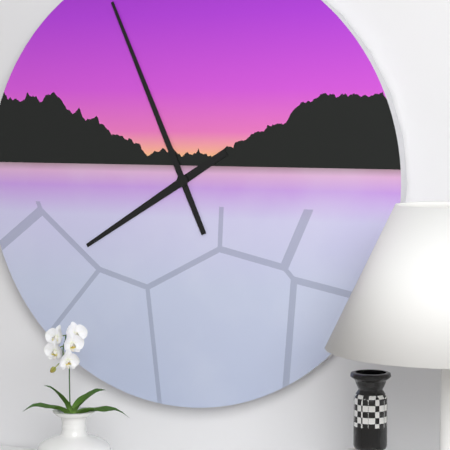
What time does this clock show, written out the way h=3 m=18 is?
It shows h=7 m=56
